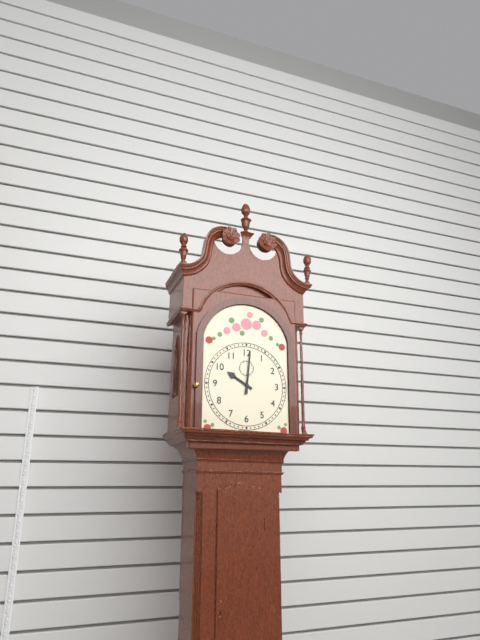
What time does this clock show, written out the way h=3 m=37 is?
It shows h=10 m=1
